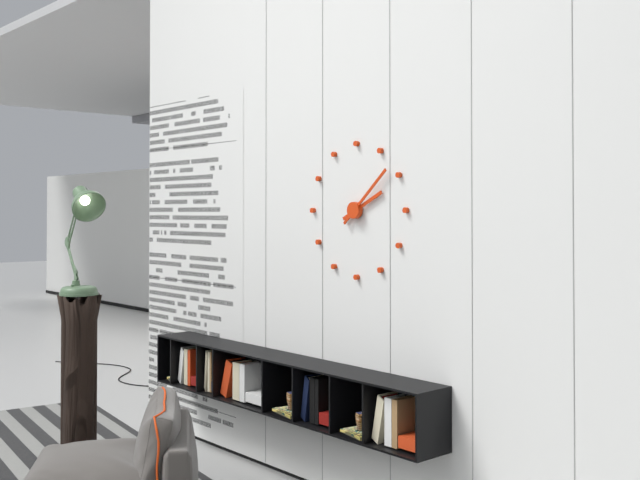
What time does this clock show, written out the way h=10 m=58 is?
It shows h=2 m=8
